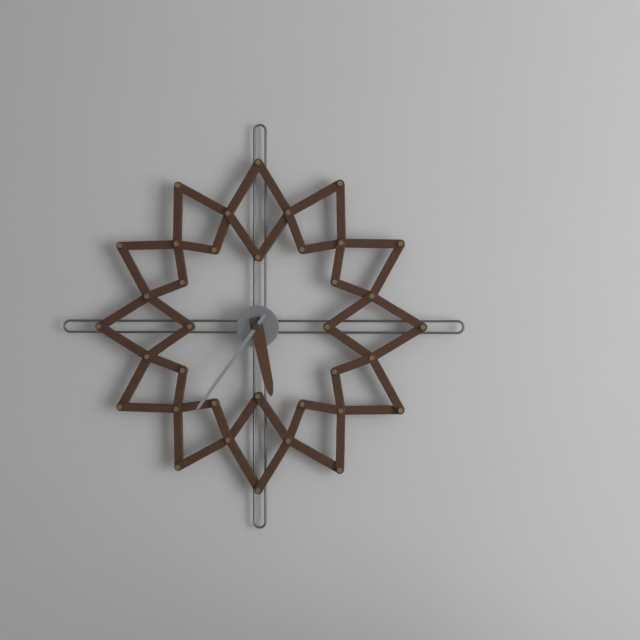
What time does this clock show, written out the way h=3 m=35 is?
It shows h=5 m=36
